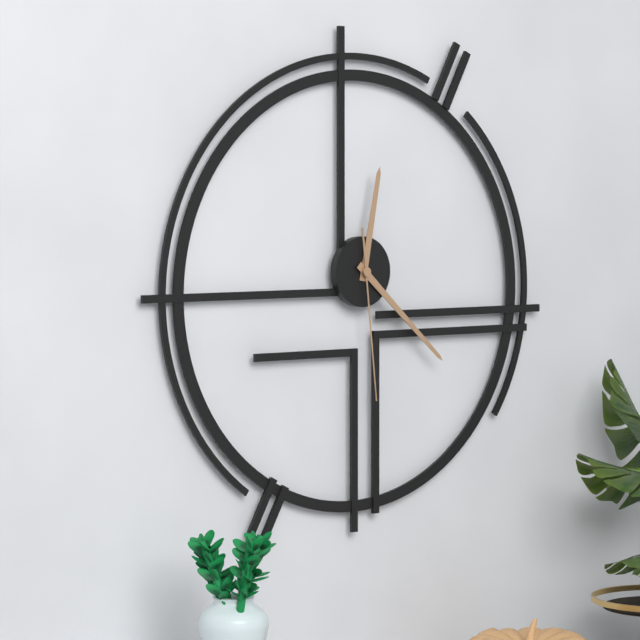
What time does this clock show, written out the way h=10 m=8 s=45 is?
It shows h=12 m=22 s=29
